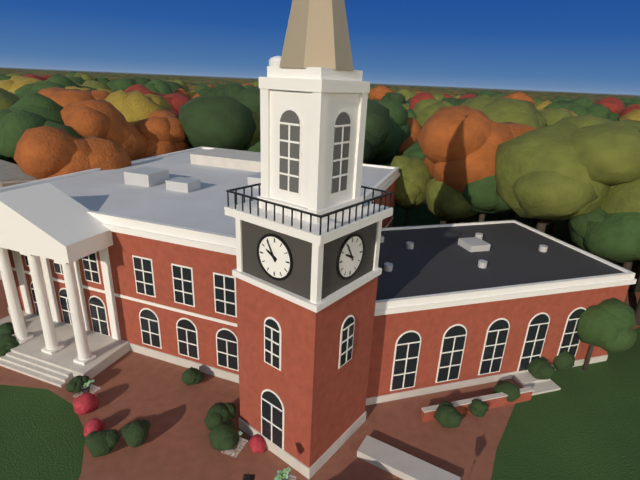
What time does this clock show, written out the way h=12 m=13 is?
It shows h=9 m=55
